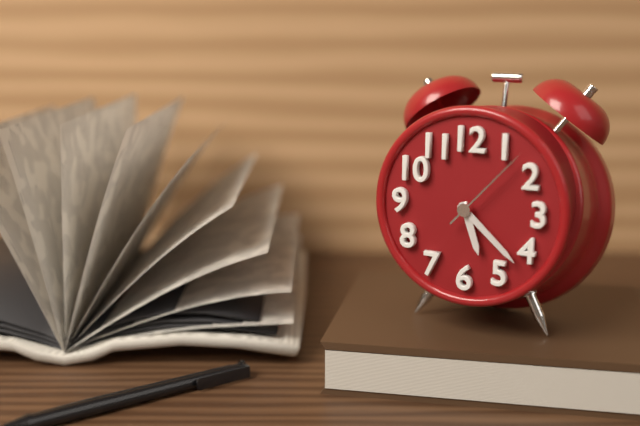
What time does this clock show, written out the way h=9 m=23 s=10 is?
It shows h=5 m=22 s=7
